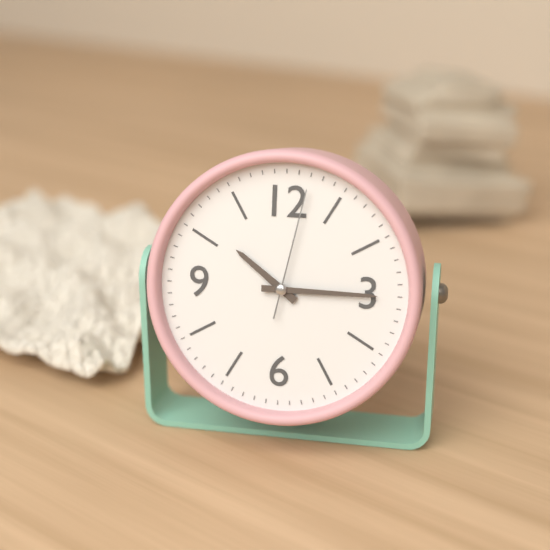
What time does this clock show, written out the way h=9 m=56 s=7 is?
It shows h=10 m=15 s=2
